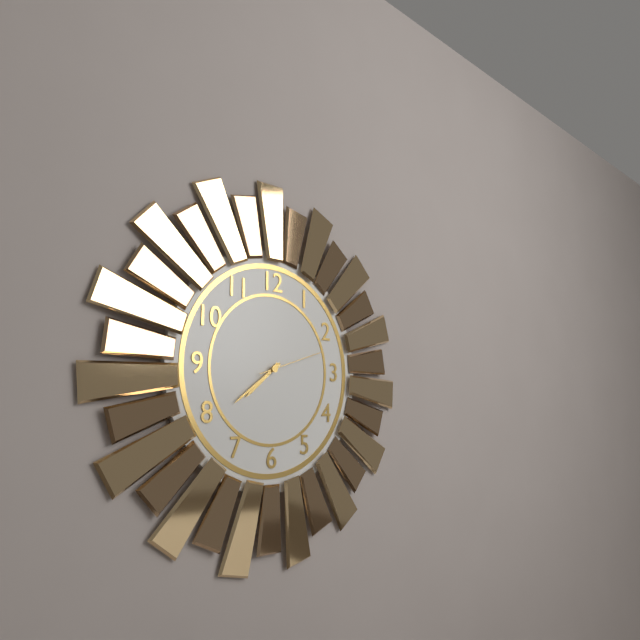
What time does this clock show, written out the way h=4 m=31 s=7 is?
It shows h=7 m=39 s=12
